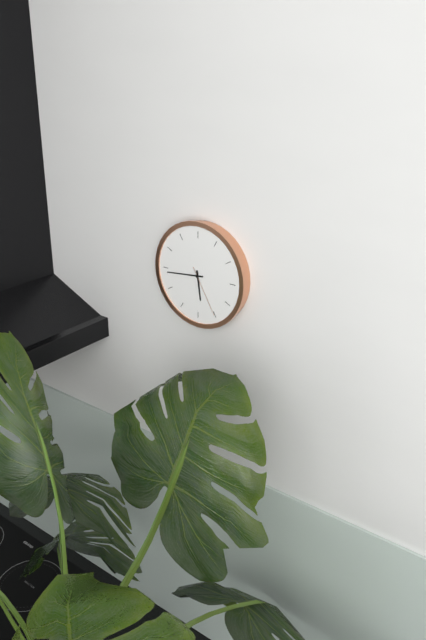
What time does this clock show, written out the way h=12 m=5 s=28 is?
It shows h=5 m=44 s=25
